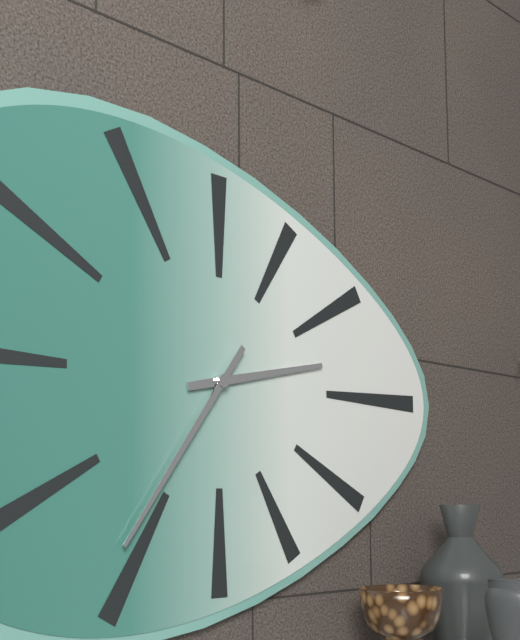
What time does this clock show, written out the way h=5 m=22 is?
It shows h=2 m=36
